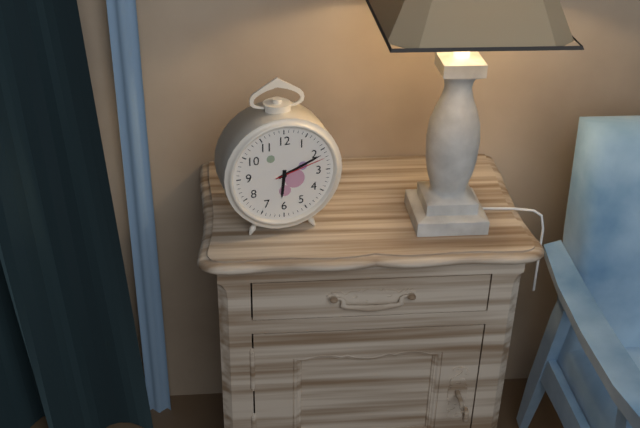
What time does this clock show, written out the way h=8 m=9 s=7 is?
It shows h=6 m=11 s=12
